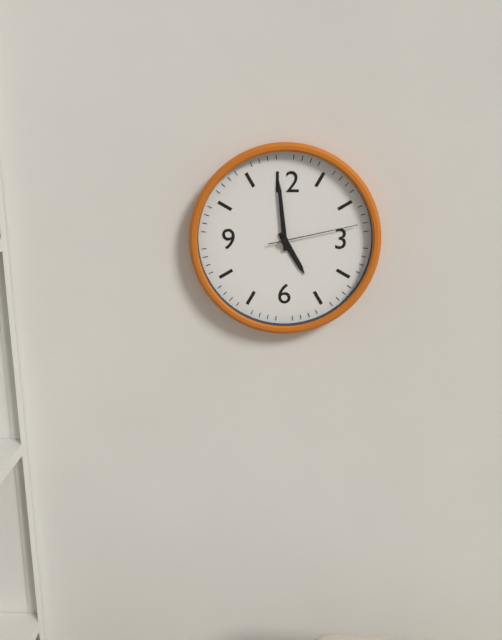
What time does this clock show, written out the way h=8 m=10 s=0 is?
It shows h=4 m=59 s=13
